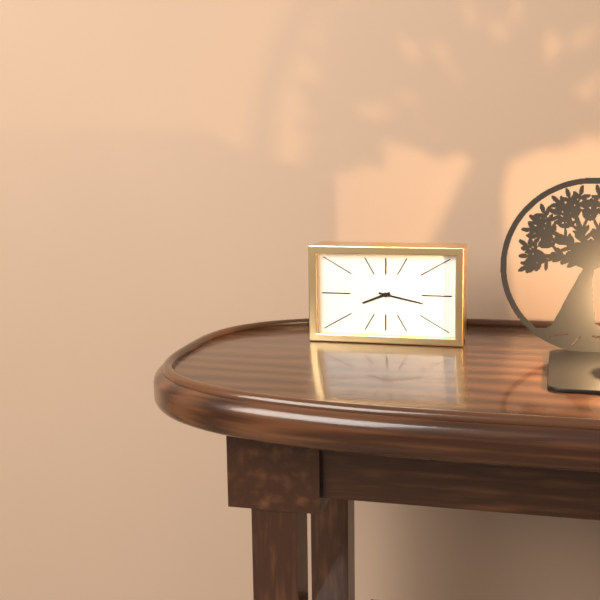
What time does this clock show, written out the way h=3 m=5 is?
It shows h=8 m=17
